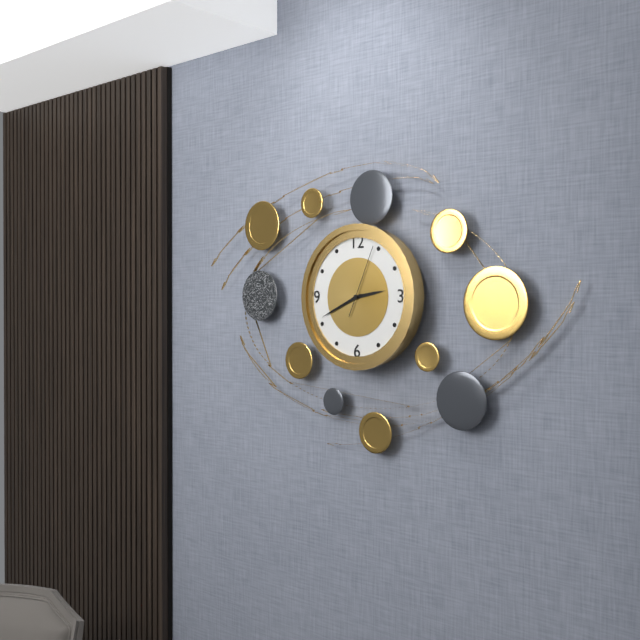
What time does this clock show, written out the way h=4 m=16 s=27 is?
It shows h=2 m=41 s=4
